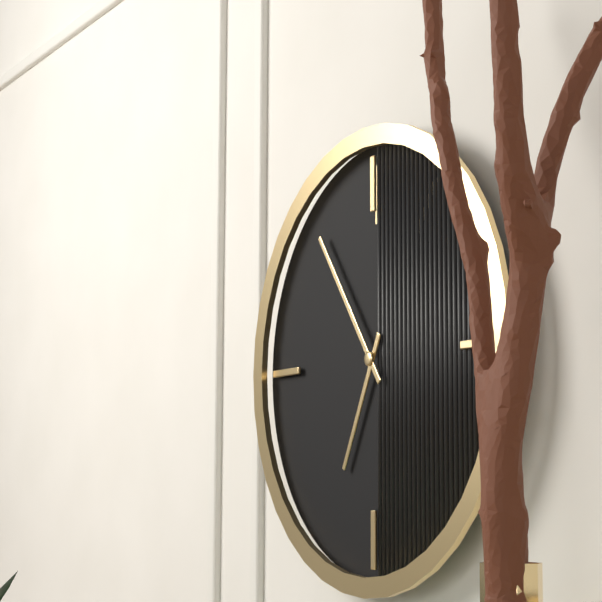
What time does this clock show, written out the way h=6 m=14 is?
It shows h=6 m=54
